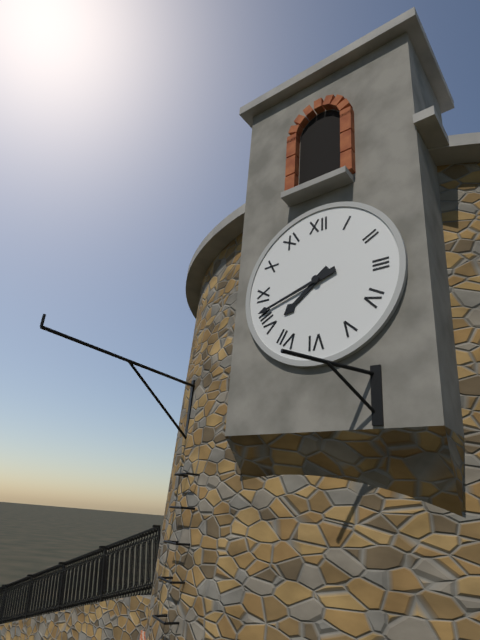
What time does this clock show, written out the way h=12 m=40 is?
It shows h=7 m=42
